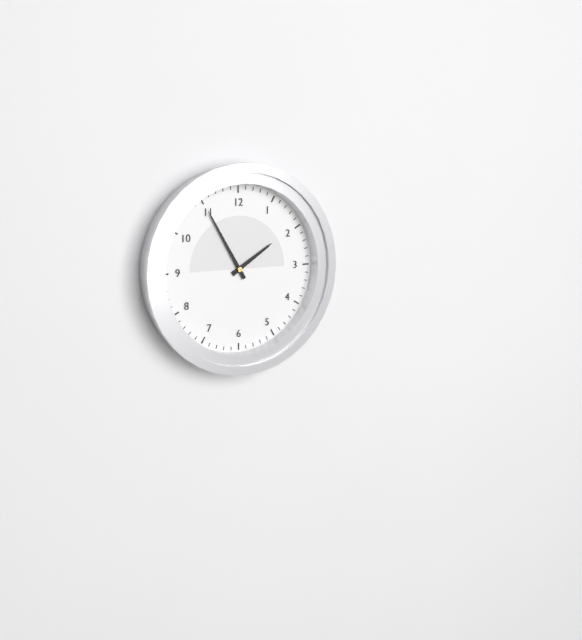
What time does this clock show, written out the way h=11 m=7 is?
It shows h=1 m=55
